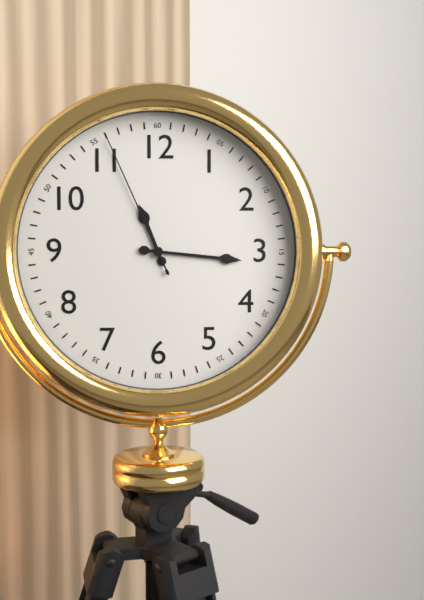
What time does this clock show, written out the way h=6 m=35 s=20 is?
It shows h=11 m=16 s=56
